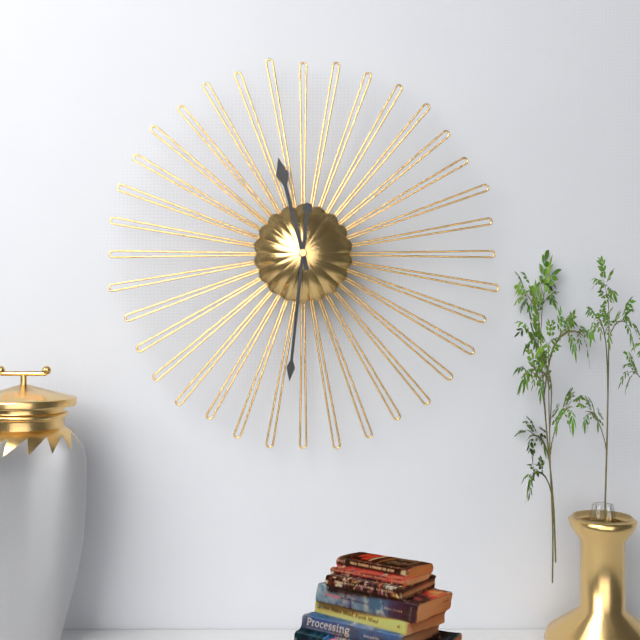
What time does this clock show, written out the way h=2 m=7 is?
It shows h=11 m=31
